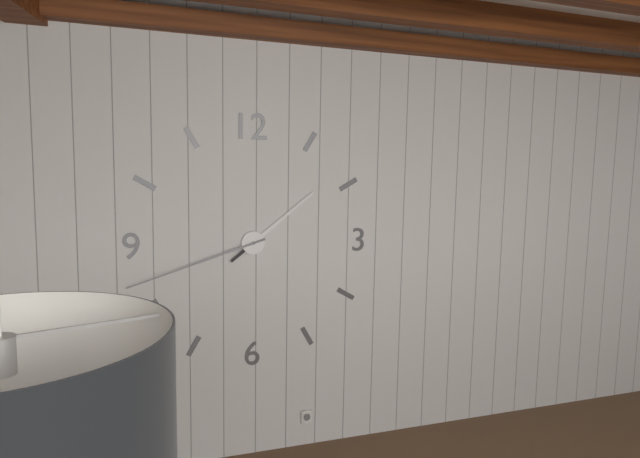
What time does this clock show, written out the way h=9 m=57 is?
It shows h=1 m=42
